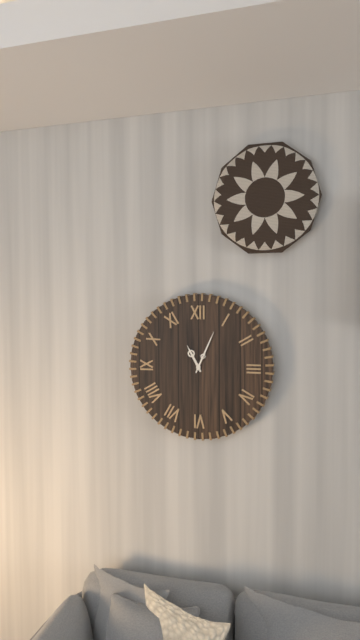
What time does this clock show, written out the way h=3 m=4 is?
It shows h=11 m=4
